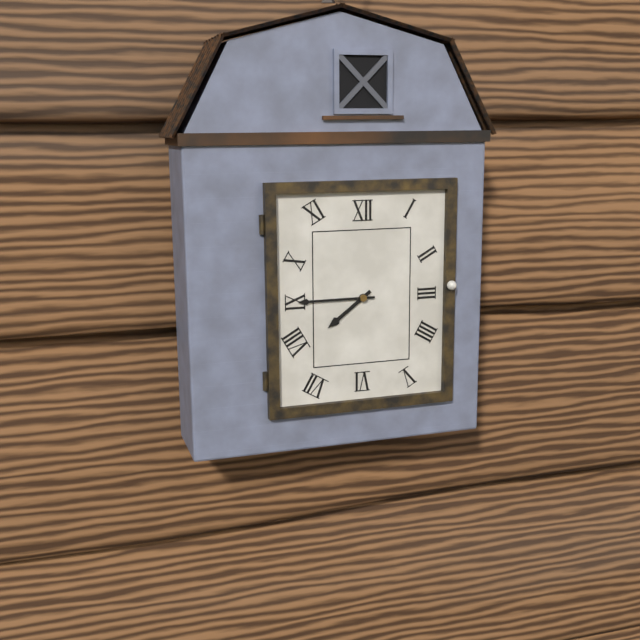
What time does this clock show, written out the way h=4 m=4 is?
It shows h=7 m=45
